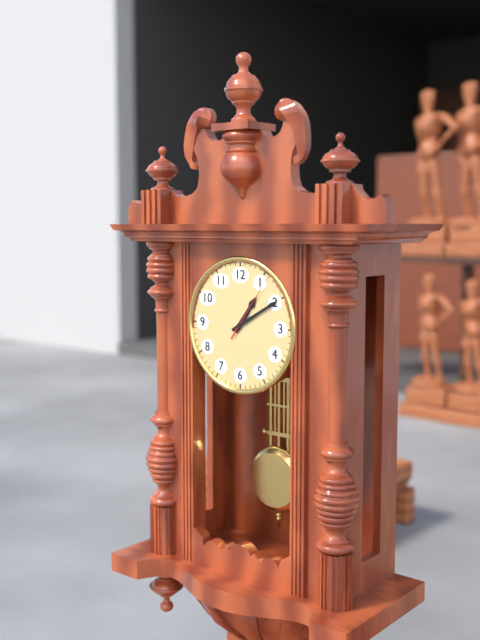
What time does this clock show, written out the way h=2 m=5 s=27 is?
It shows h=1 m=10 s=6
